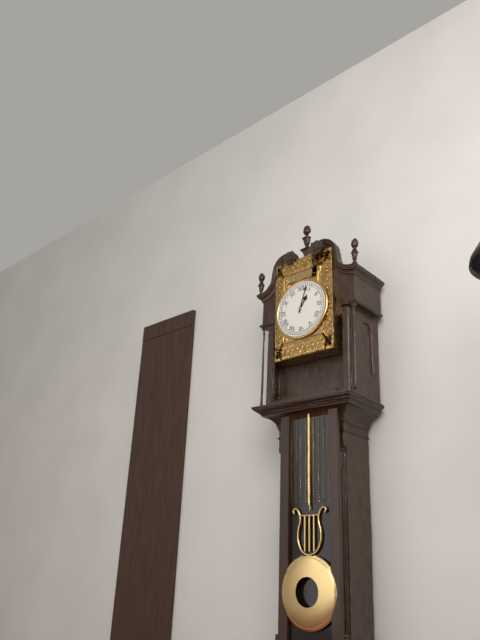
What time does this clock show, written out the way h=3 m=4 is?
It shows h=1 m=3
